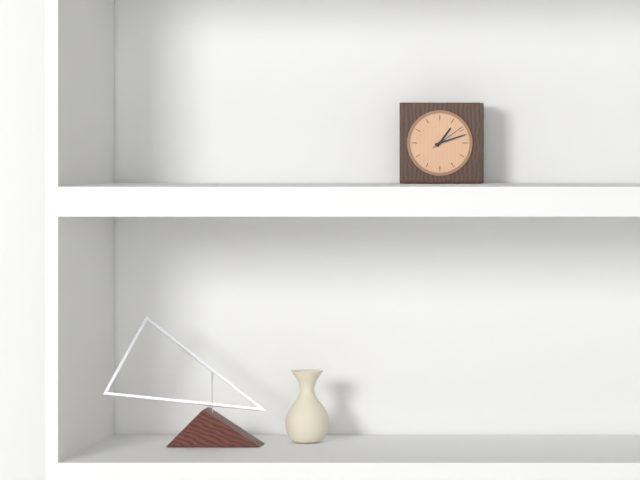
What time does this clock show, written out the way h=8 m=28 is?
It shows h=1 m=12
